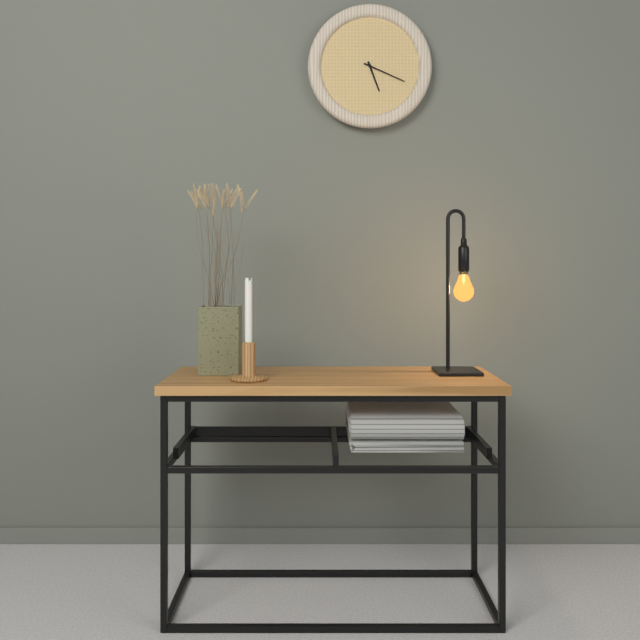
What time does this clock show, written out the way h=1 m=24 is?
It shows h=5 m=19
